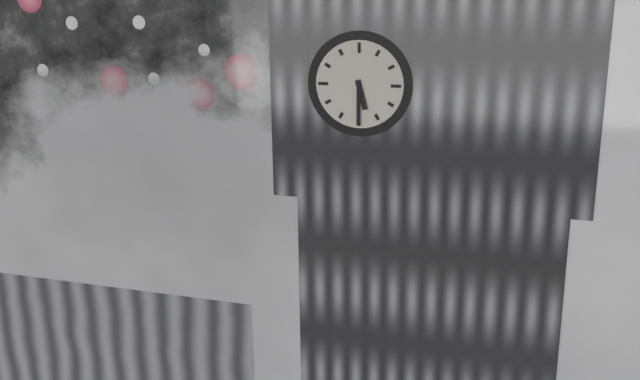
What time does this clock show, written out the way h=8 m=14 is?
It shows h=5 m=30
